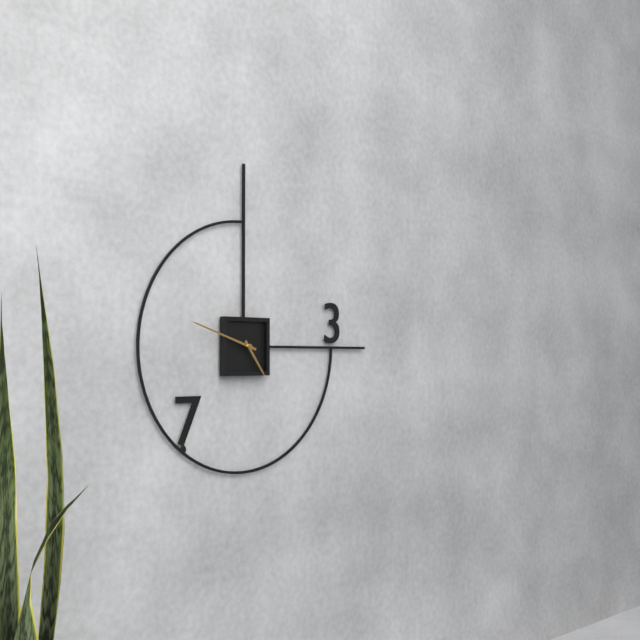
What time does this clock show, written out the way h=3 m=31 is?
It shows h=4 m=48
